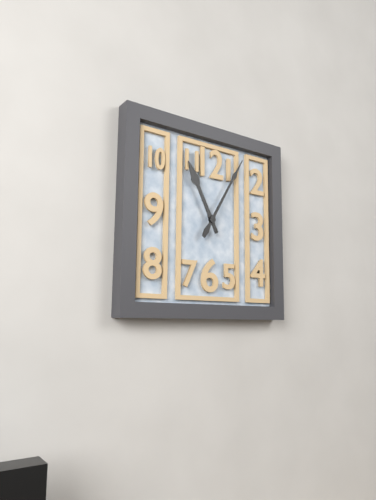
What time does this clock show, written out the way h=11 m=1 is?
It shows h=11 m=5
